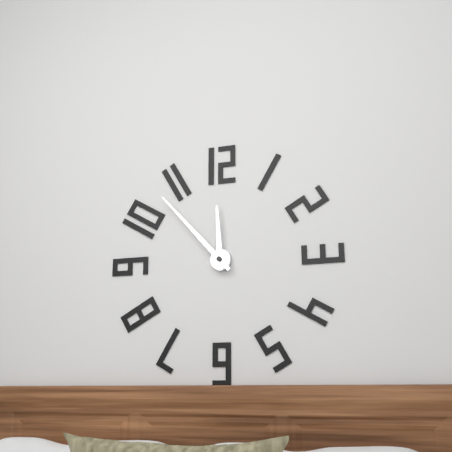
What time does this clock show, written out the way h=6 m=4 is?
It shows h=11 m=53
